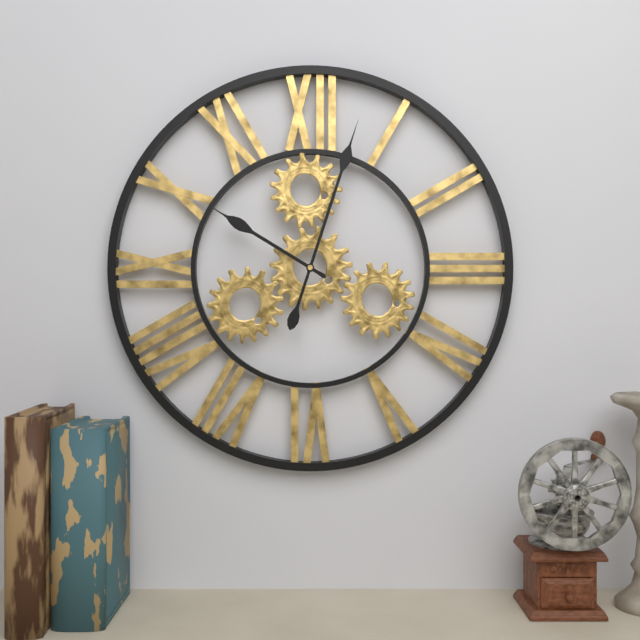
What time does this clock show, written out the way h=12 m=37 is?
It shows h=10 m=3
